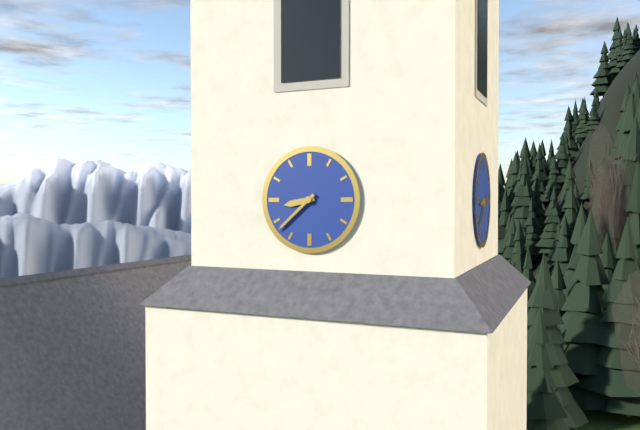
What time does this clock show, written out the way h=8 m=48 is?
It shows h=8 m=38
